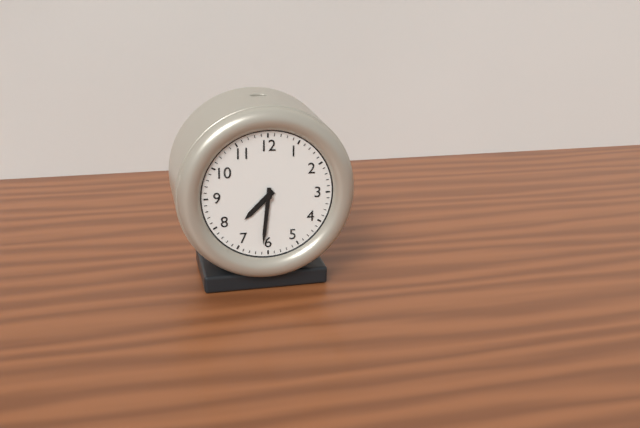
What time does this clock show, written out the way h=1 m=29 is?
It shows h=7 m=31
